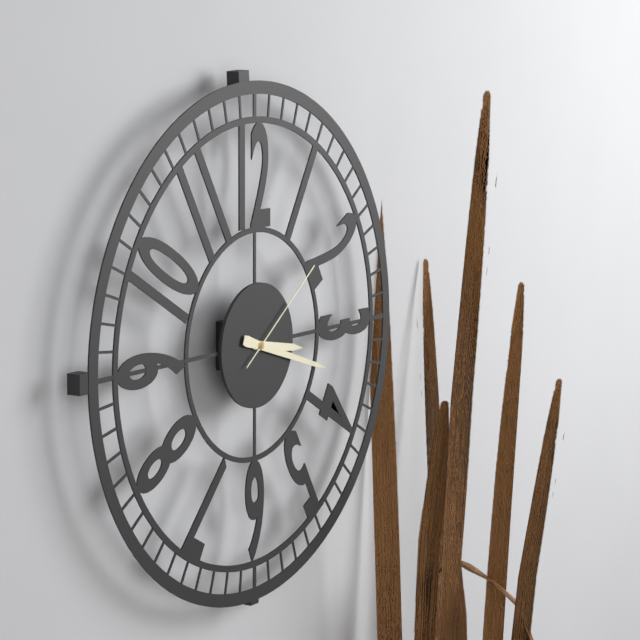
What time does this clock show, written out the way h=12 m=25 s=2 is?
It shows h=3 m=18 s=9
